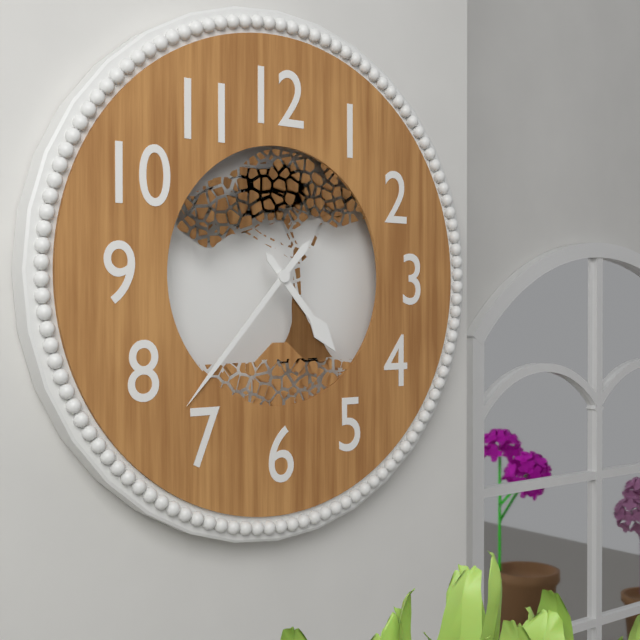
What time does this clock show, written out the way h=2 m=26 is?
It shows h=4 m=37
